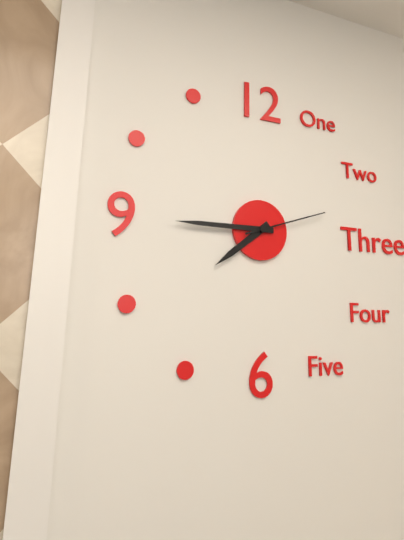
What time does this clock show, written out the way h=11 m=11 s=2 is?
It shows h=7 m=45 s=12
